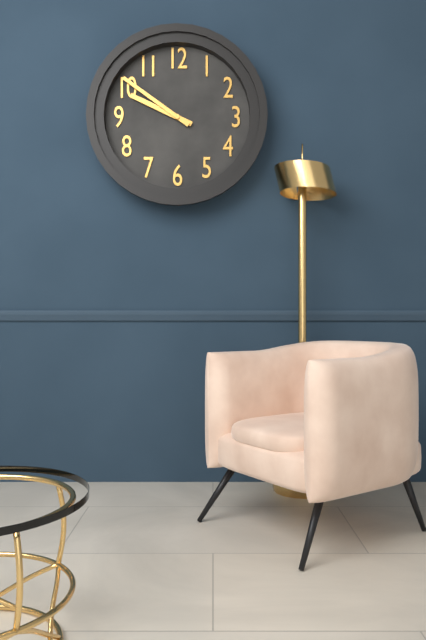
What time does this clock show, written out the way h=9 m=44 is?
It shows h=9 m=51
